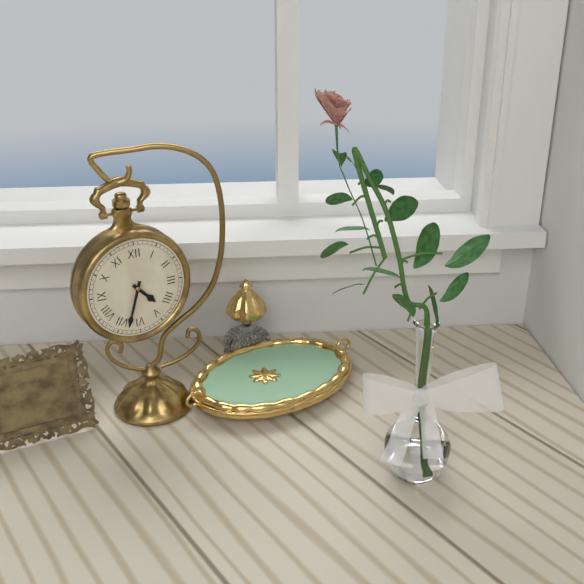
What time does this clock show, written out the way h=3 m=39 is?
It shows h=4 m=33
